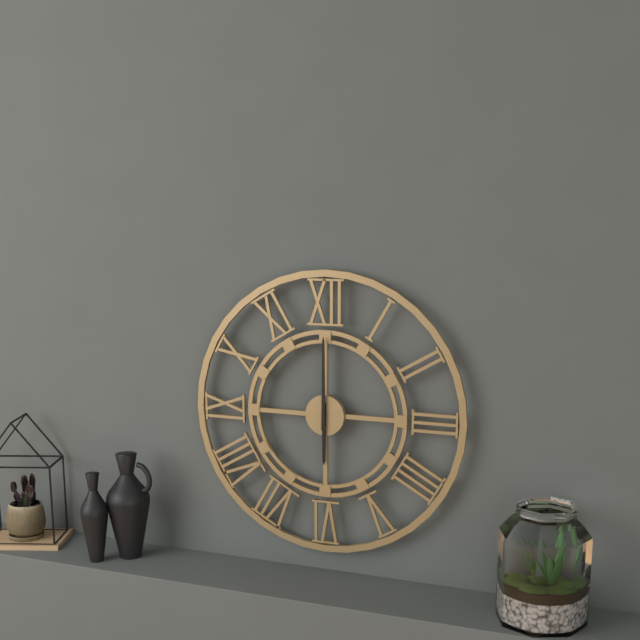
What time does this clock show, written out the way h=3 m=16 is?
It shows h=6 m=0
